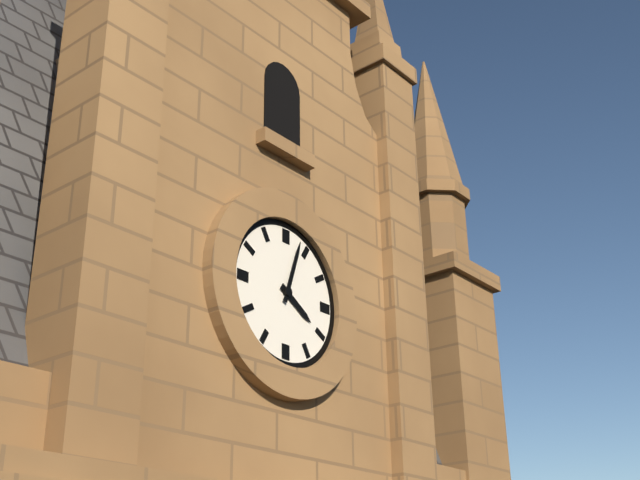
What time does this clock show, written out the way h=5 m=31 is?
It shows h=4 m=3
